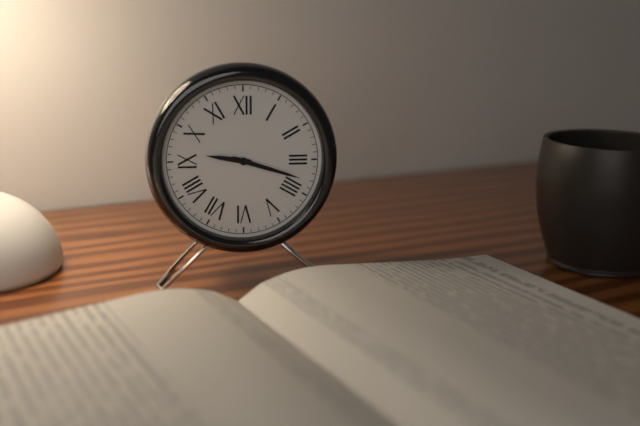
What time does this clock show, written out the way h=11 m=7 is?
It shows h=9 m=18
